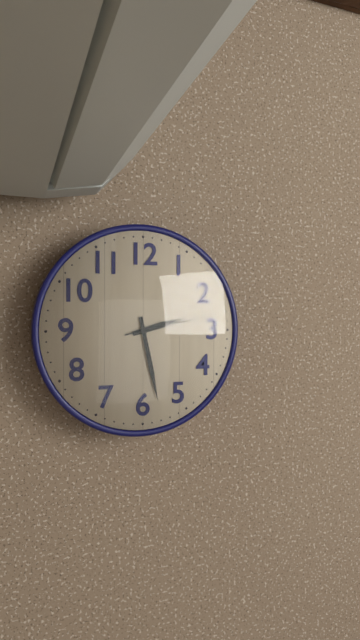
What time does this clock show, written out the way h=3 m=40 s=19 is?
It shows h=2 m=28 s=13
